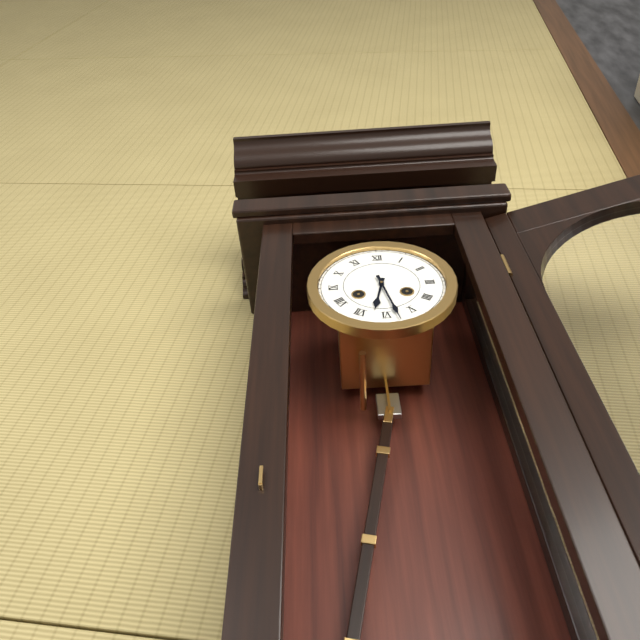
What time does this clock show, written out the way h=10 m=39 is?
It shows h=6 m=28
